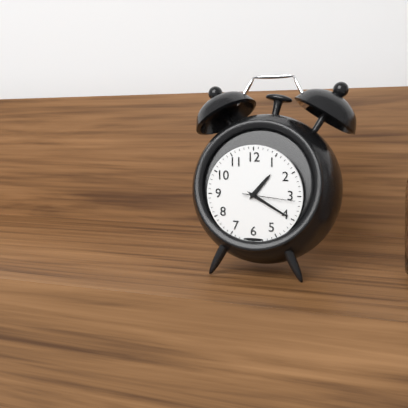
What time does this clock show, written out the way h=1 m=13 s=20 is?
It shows h=1 m=20 s=16
